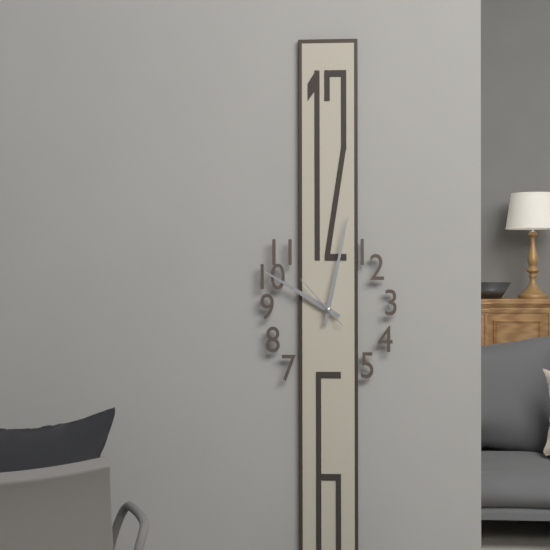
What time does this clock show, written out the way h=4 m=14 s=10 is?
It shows h=10 m=2 s=53
